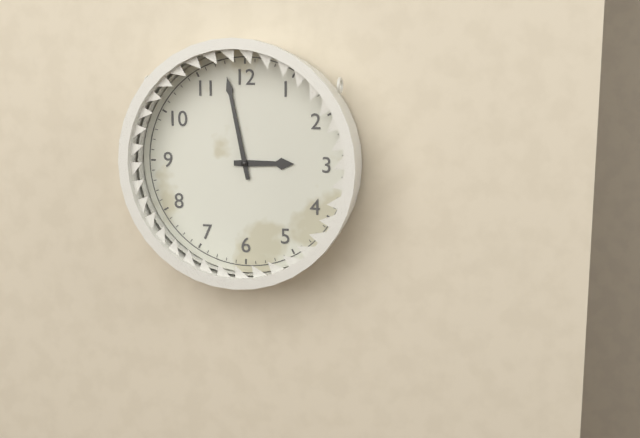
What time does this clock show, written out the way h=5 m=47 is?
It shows h=2 m=58
